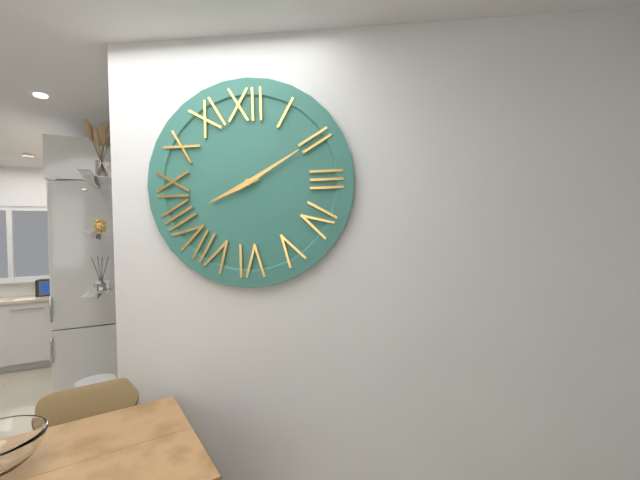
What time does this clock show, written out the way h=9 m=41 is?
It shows h=8 m=10
